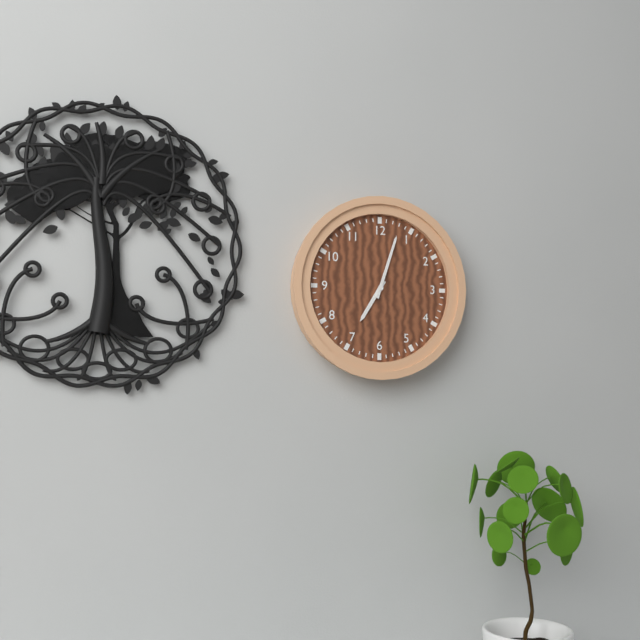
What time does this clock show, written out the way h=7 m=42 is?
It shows h=7 m=3
